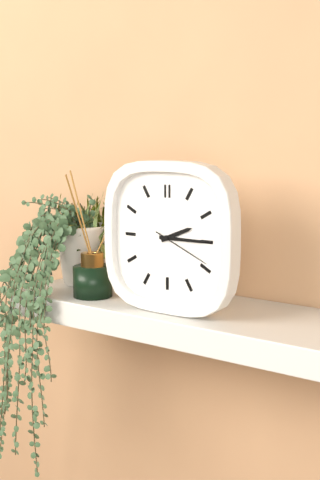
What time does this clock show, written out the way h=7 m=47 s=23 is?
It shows h=2 m=15 s=19
